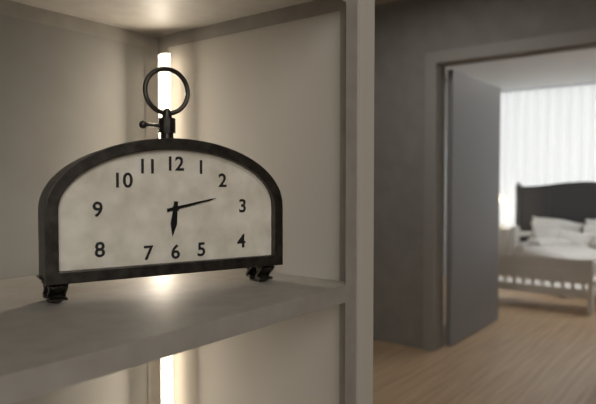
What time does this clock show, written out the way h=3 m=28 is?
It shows h=6 m=13
